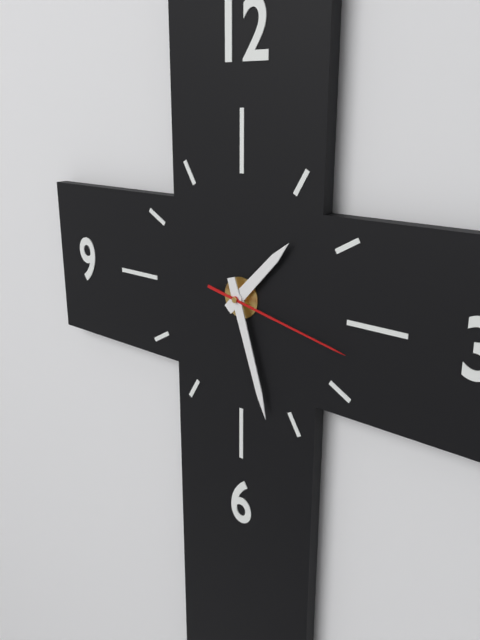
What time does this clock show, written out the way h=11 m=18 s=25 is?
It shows h=1 m=27 s=17
